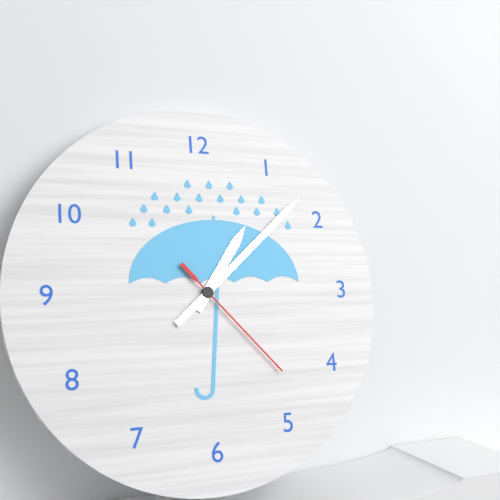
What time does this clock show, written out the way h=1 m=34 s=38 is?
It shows h=1 m=8 s=23
